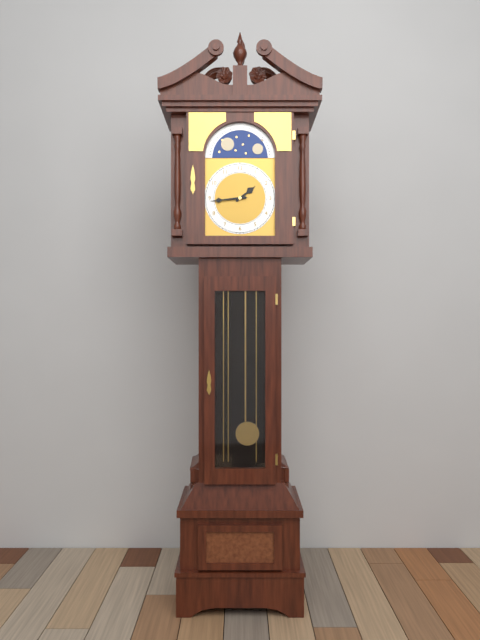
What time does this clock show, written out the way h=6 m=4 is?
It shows h=1 m=44
